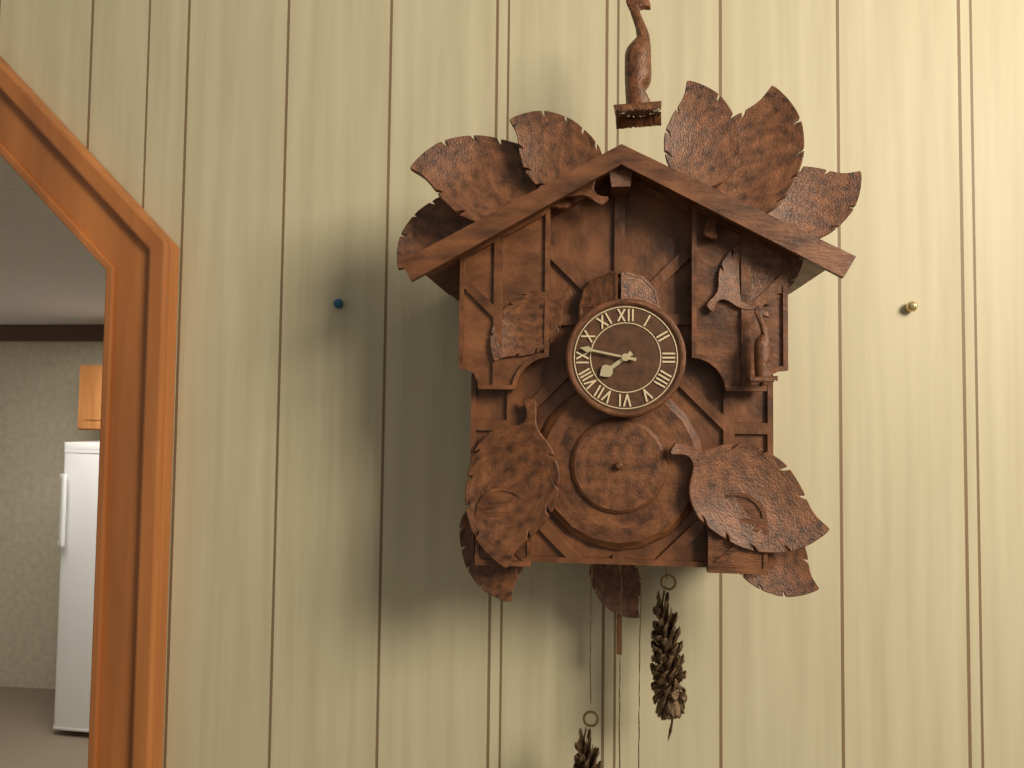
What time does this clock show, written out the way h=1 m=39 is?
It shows h=7 m=47
